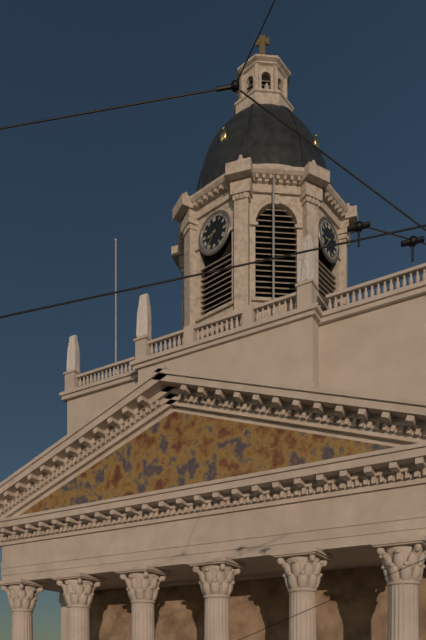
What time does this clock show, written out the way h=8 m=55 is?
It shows h=8 m=36
